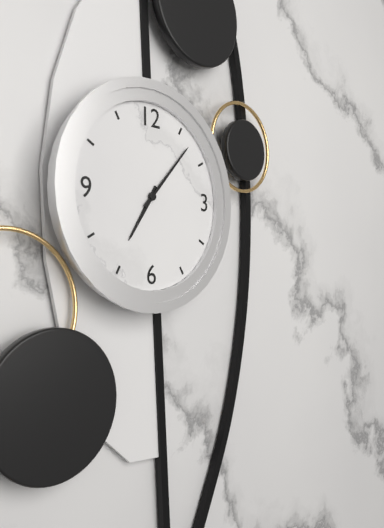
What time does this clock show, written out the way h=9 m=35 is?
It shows h=7 m=7
